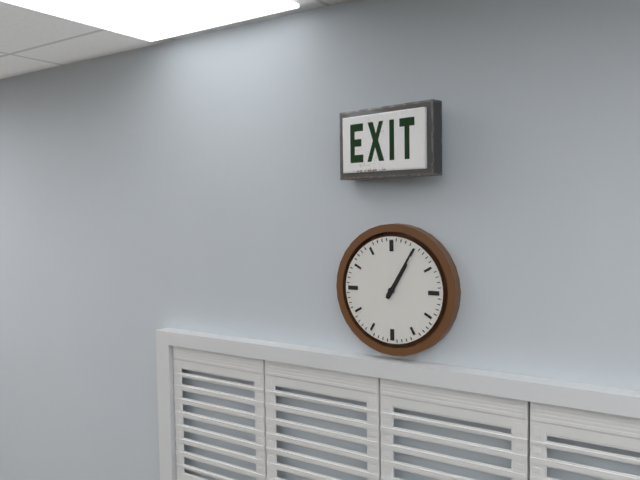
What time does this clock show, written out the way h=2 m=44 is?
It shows h=1 m=5
